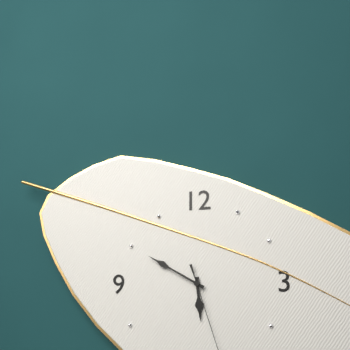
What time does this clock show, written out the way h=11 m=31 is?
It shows h=5 m=50
